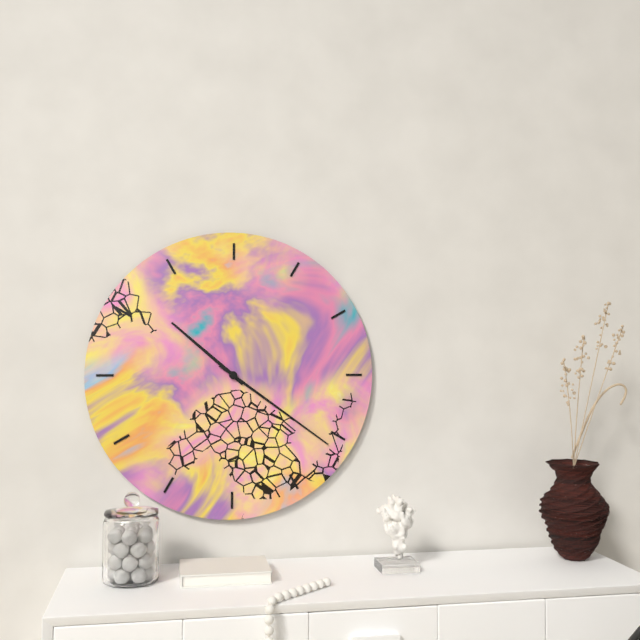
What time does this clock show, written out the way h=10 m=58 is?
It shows h=10 m=21
